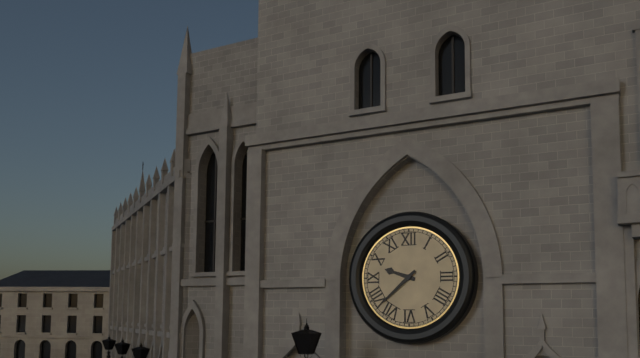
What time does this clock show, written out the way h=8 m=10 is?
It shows h=9 m=38
